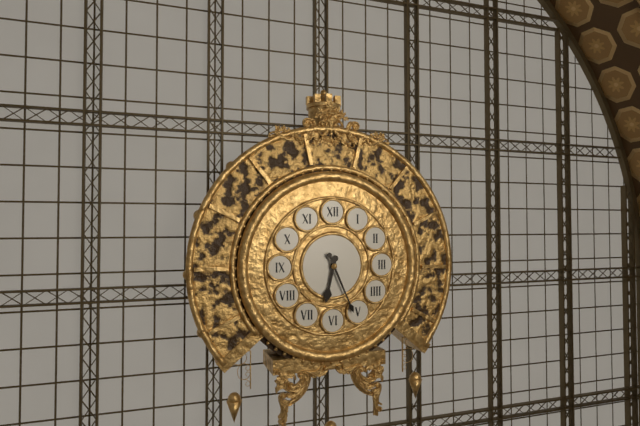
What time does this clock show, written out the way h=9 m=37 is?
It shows h=6 m=26
